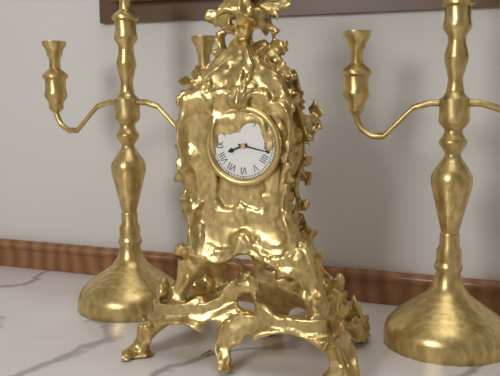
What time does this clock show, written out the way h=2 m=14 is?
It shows h=8 m=17
